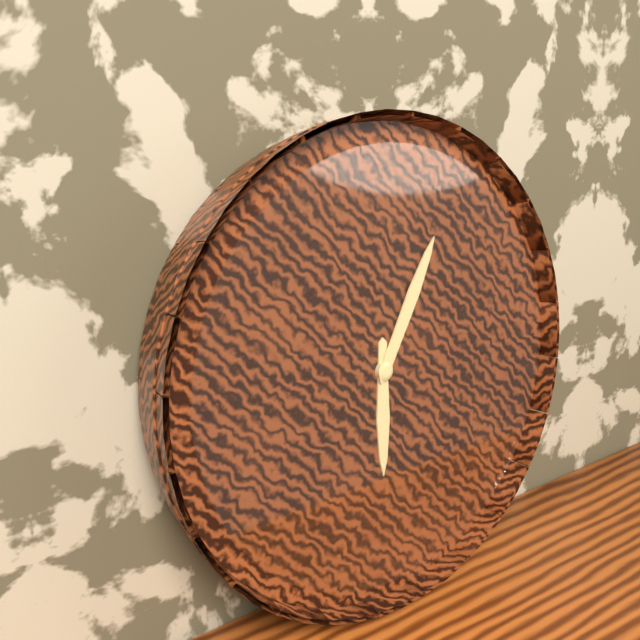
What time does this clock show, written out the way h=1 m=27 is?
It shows h=6 m=5
